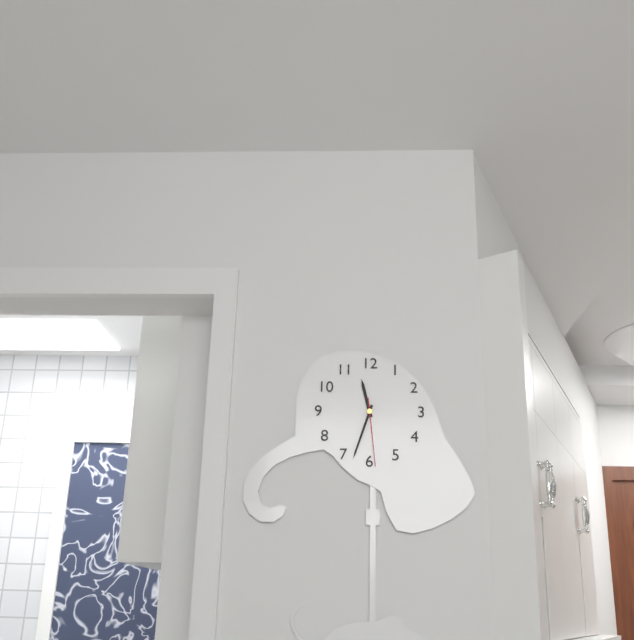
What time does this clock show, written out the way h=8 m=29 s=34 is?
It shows h=11 m=33 s=29
